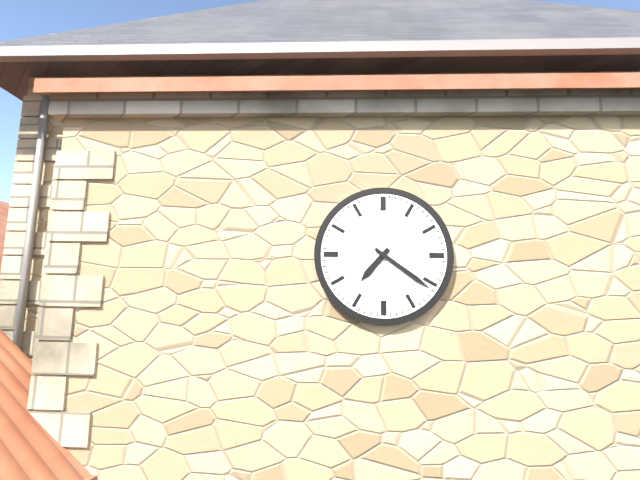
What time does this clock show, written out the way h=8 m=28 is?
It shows h=7 m=21
